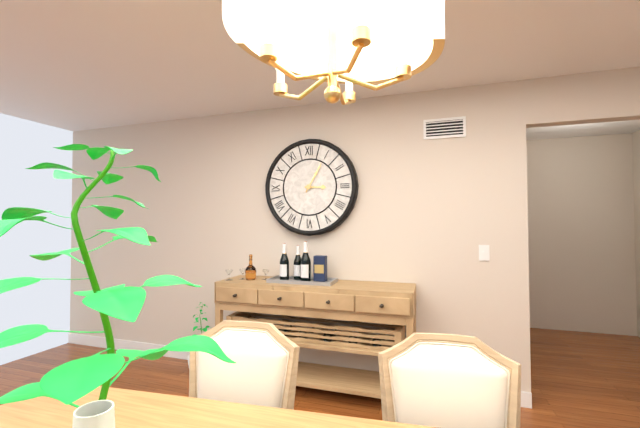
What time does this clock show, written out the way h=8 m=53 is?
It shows h=3 m=5
